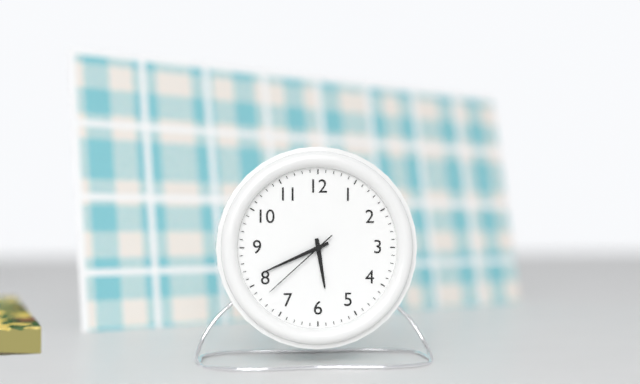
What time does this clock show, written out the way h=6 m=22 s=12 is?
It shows h=5 m=41 s=38
